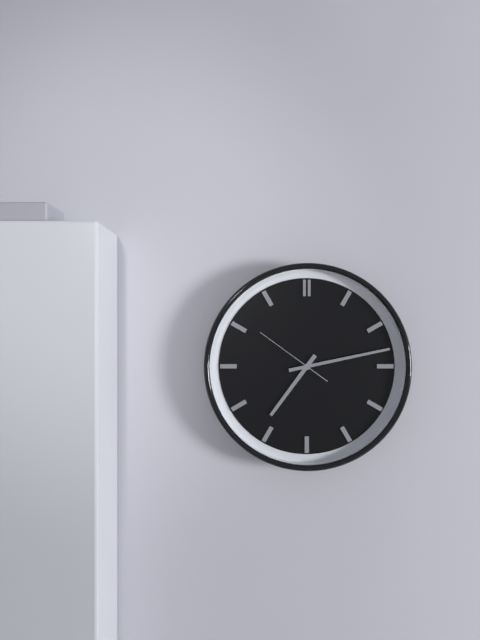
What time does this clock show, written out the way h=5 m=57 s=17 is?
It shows h=7 m=13 s=51
